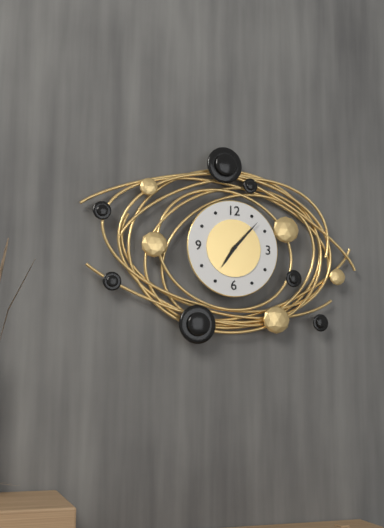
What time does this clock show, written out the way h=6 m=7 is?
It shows h=7 m=7
